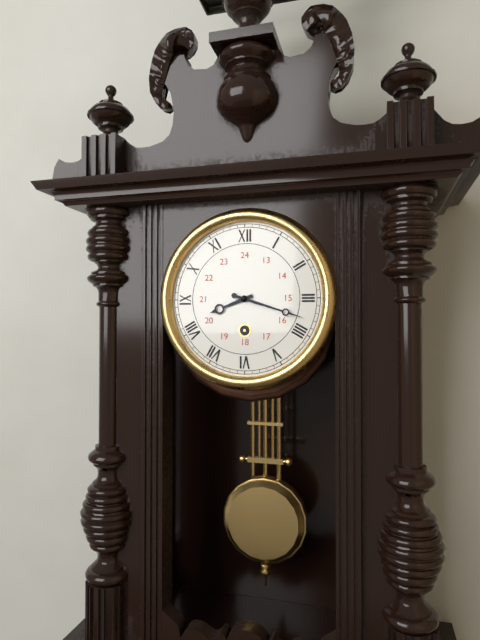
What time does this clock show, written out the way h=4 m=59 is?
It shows h=8 m=18
